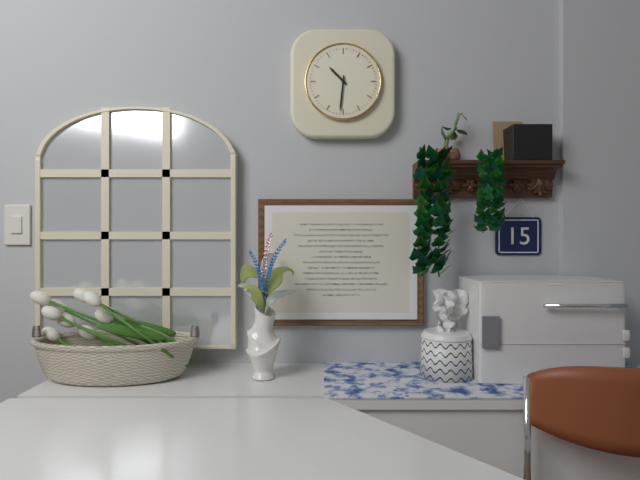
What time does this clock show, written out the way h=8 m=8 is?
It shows h=10 m=31
